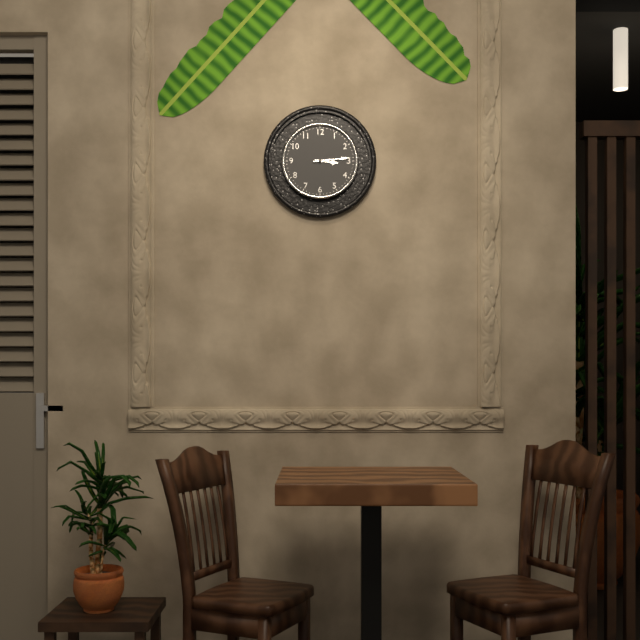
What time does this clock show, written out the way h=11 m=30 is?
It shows h=3 m=14
